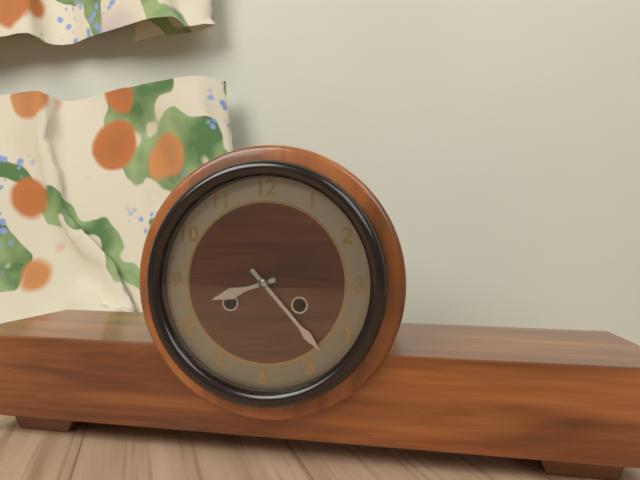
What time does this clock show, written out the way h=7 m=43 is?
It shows h=8 m=23
